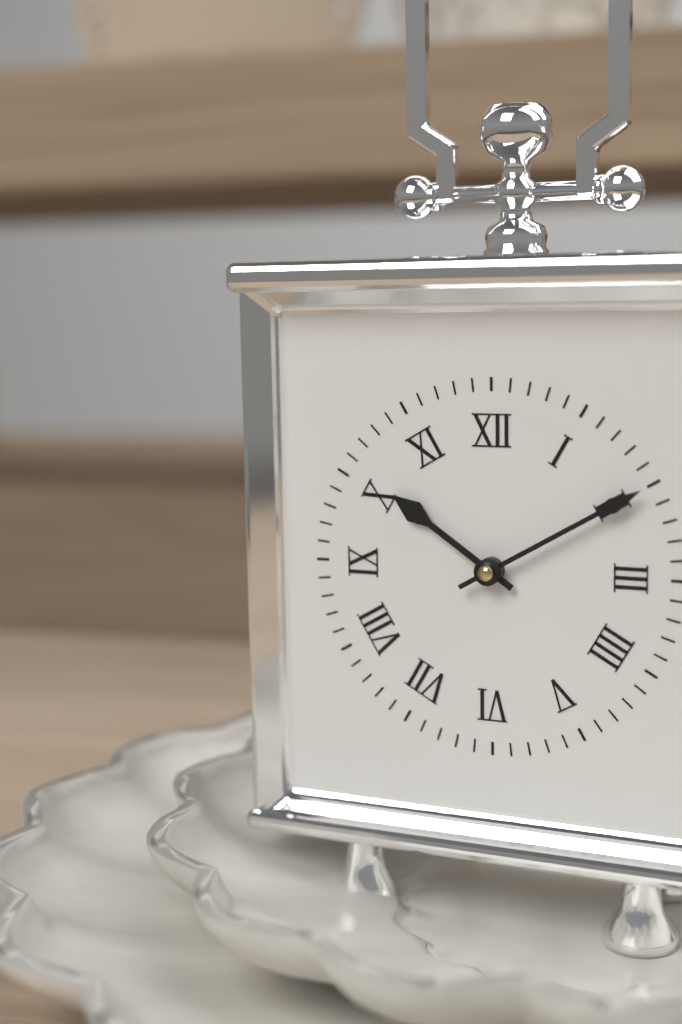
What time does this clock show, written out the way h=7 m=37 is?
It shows h=10 m=10
